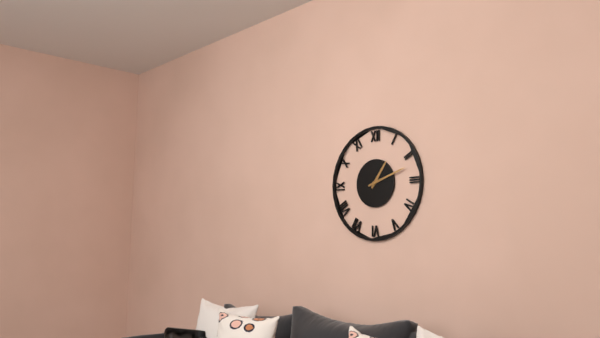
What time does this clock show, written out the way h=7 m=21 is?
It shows h=1 m=12
